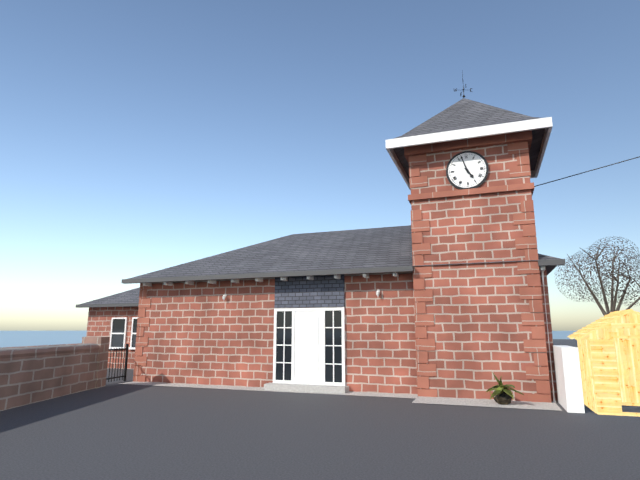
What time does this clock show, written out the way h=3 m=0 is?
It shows h=4 m=57
